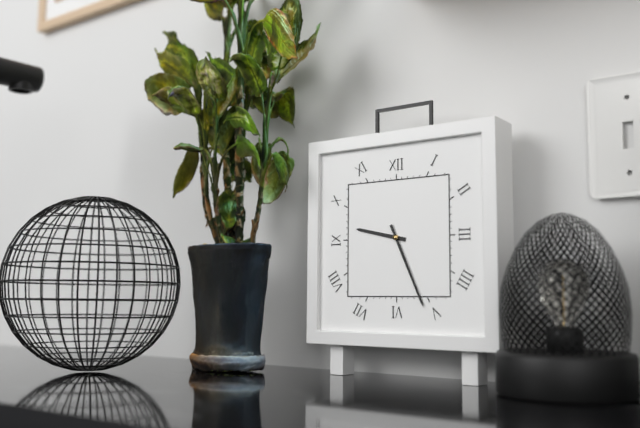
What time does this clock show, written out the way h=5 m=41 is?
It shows h=9 m=26
